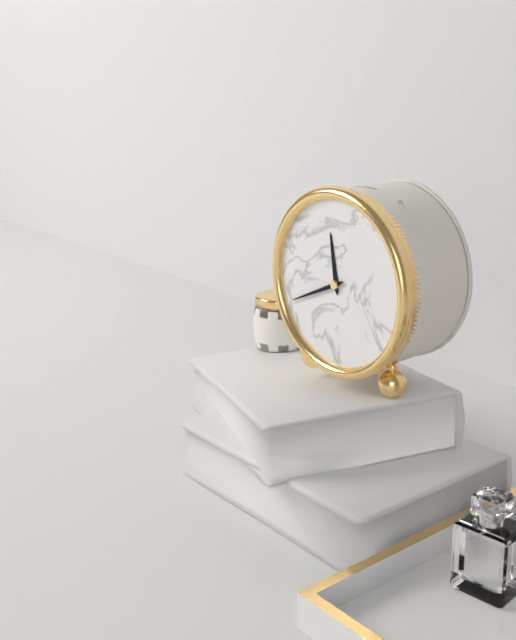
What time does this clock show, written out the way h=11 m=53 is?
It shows h=11 m=41
